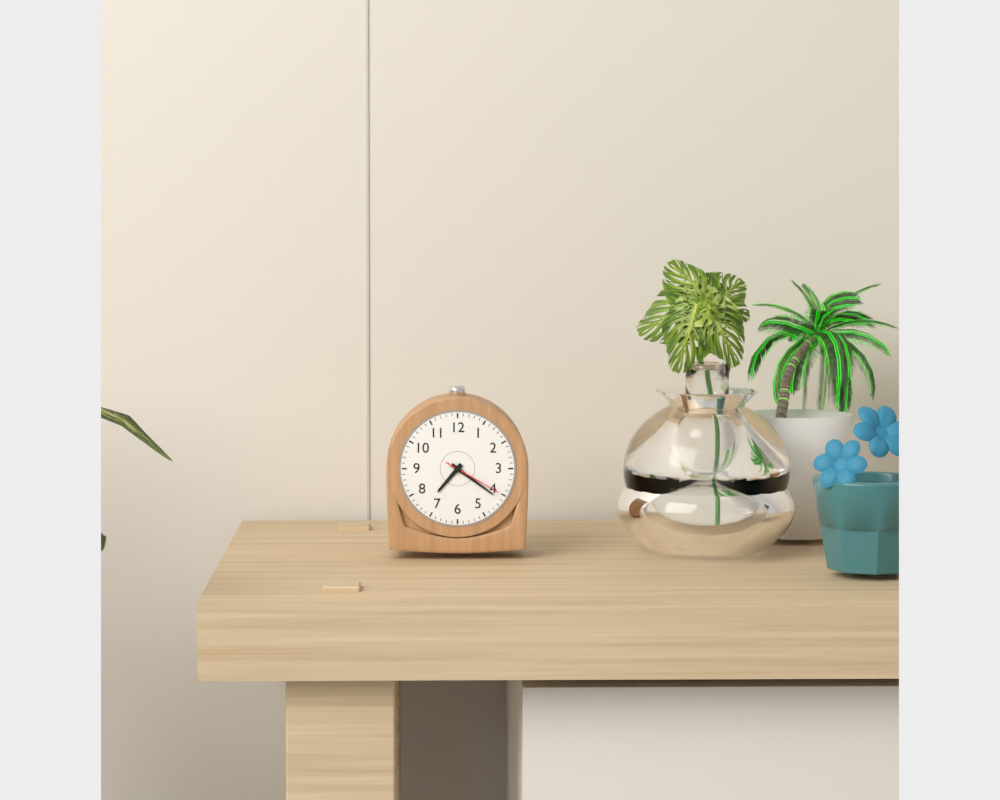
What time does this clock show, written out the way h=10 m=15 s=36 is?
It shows h=7 m=21 s=20
